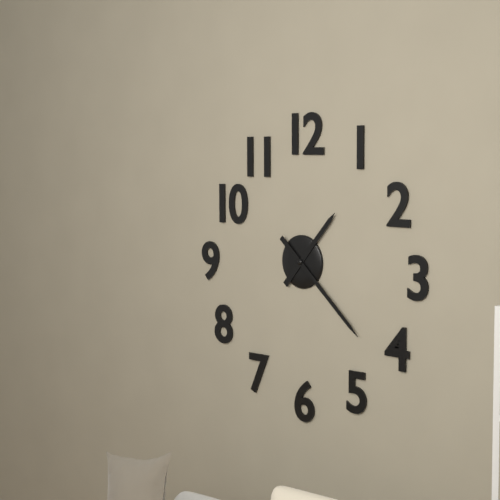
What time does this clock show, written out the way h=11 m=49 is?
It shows h=1 m=22
